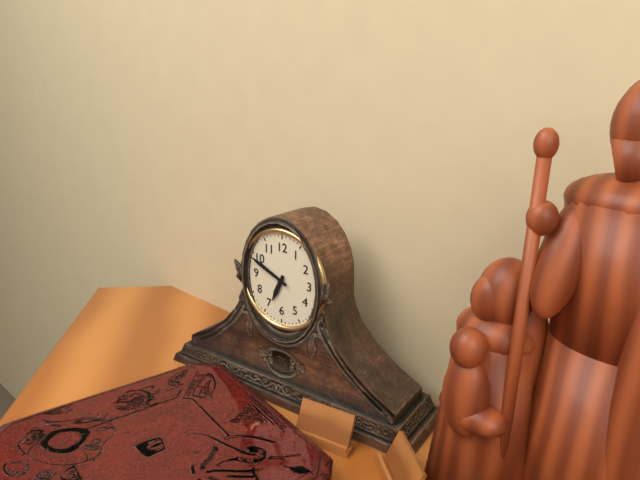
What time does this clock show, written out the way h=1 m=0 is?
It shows h=6 m=49
